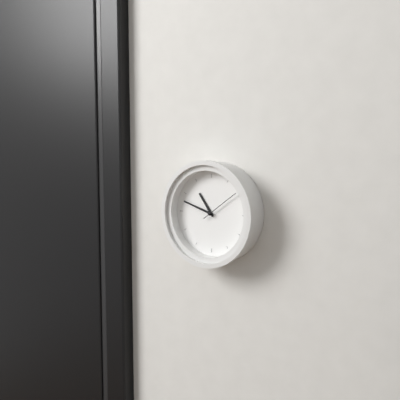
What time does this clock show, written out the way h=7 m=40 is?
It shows h=10 m=48
